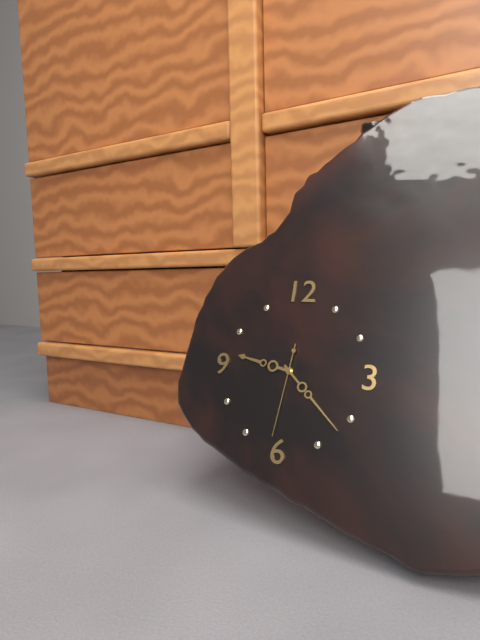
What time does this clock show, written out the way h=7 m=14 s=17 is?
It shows h=9 m=22 s=31
